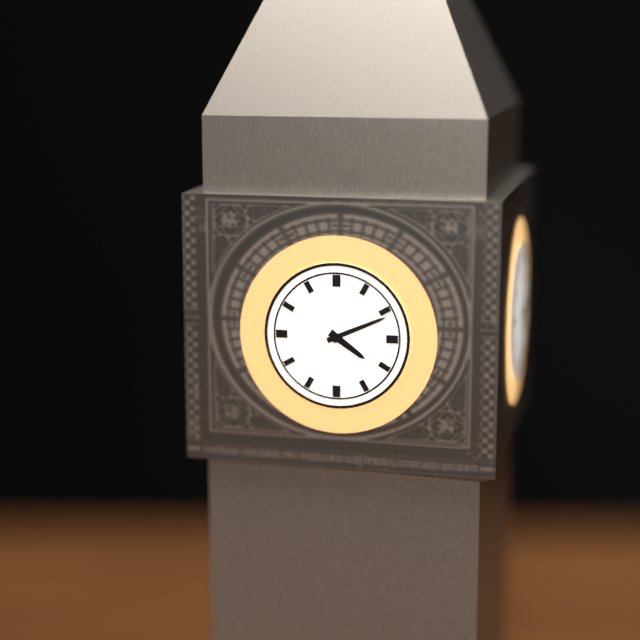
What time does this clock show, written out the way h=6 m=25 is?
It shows h=4 m=11
